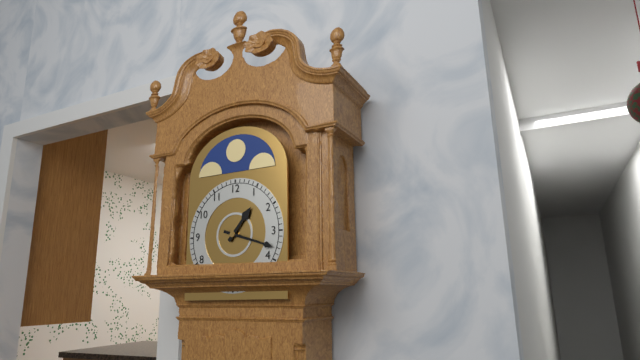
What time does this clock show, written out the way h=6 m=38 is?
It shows h=1 m=18
